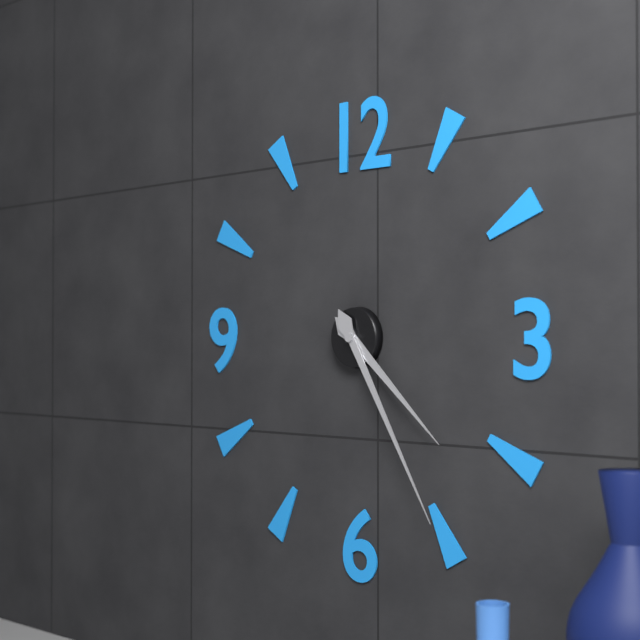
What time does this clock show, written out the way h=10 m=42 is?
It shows h=4 m=25
